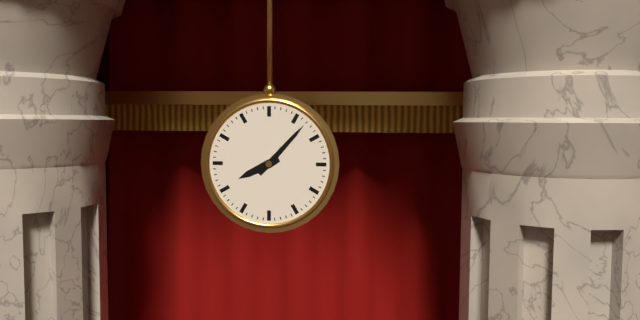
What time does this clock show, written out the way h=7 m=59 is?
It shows h=8 m=7
